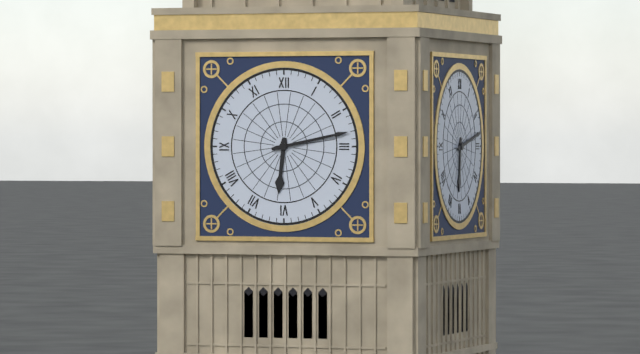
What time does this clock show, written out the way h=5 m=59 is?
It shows h=6 m=13
